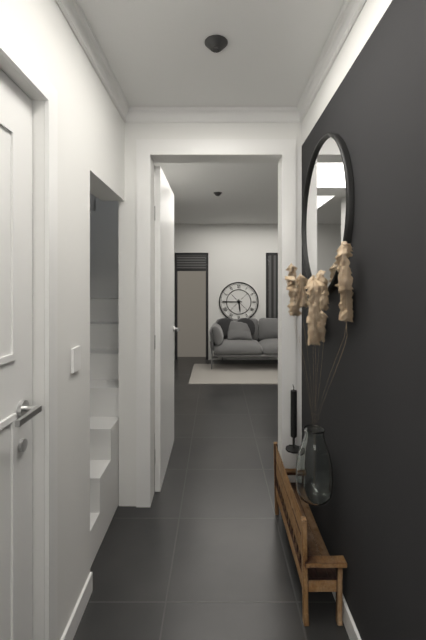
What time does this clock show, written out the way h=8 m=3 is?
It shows h=5 m=45
